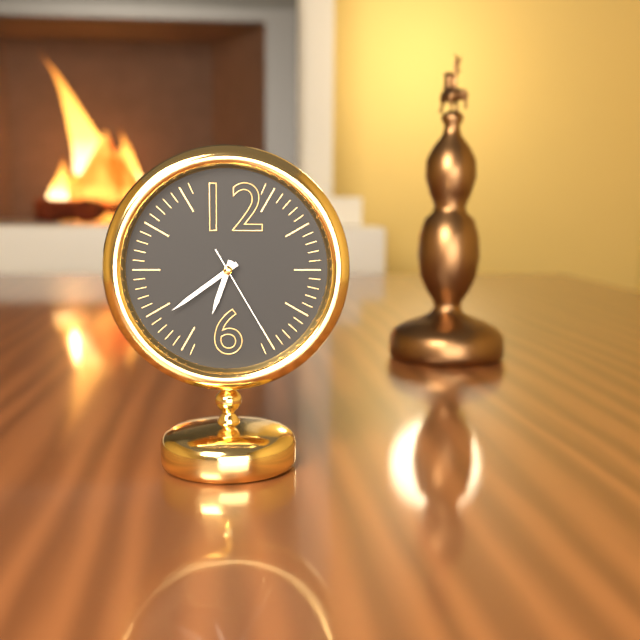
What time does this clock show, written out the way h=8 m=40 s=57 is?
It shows h=6 m=39 s=25
